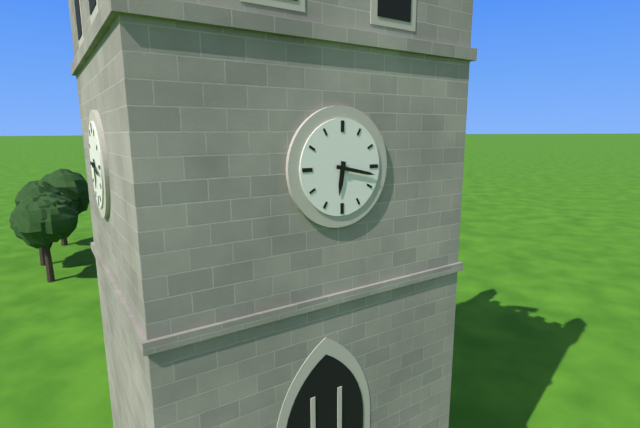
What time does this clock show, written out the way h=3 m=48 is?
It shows h=6 m=17
